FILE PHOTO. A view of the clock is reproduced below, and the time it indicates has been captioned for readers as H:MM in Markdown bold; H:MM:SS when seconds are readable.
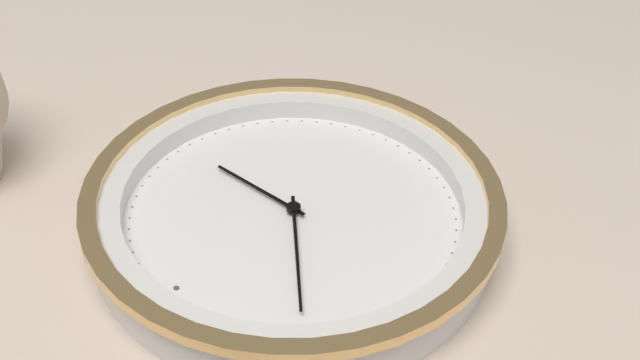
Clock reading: **2:52**
